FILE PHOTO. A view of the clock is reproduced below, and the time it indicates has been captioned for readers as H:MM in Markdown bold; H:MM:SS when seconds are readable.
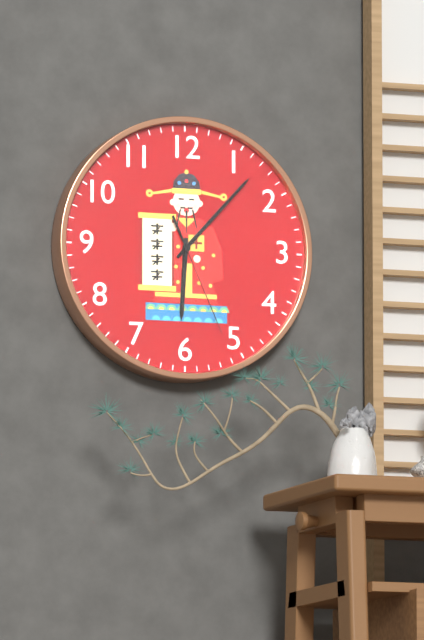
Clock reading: **6:07:26**
